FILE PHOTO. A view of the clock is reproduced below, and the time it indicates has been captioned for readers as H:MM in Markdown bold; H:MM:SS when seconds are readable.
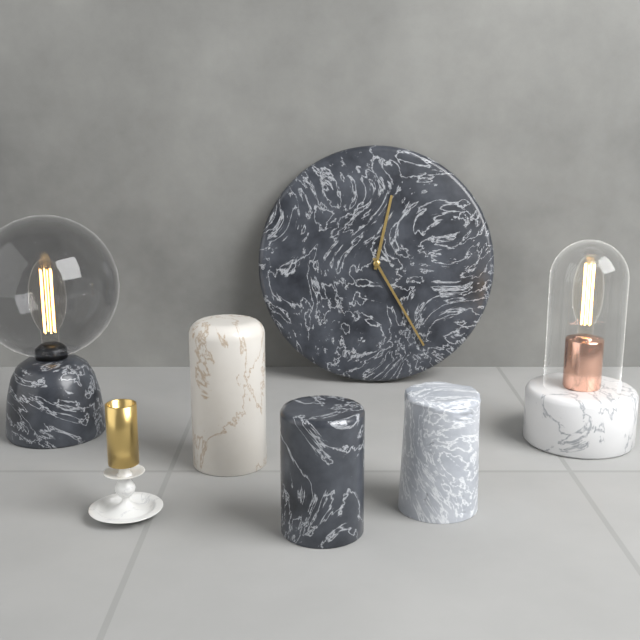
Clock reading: **12:25**
